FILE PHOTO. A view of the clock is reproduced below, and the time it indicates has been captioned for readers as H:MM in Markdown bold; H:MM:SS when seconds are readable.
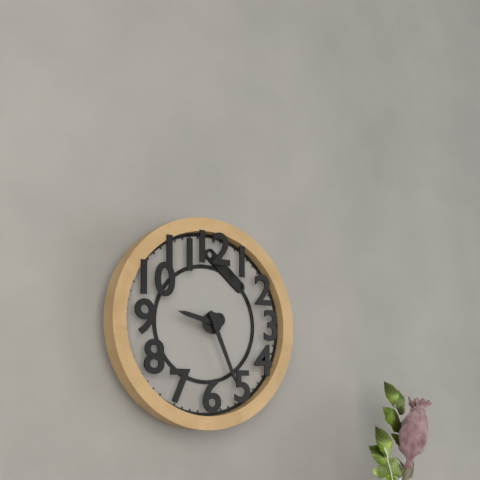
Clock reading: **9:26**
